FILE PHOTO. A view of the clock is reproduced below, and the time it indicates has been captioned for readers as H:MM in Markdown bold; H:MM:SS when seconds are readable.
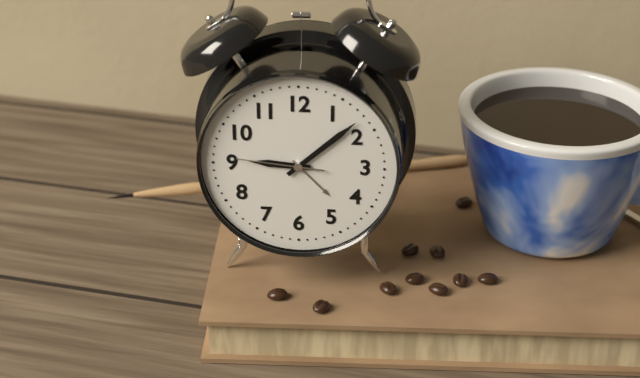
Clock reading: **9:08:46**
